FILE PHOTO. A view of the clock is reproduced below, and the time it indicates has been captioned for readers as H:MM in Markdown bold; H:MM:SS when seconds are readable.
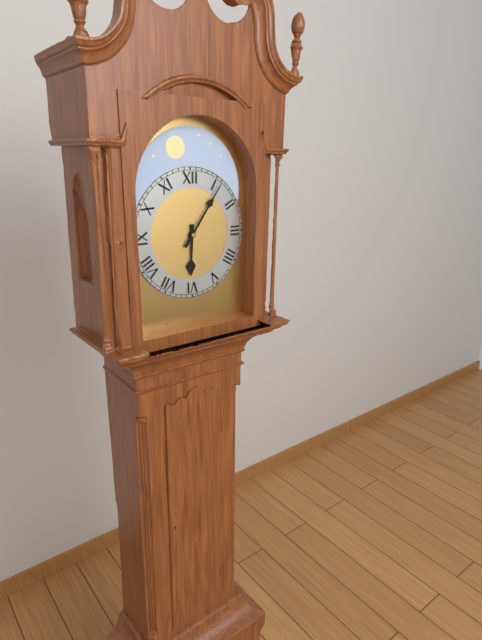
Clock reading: **6:06**
